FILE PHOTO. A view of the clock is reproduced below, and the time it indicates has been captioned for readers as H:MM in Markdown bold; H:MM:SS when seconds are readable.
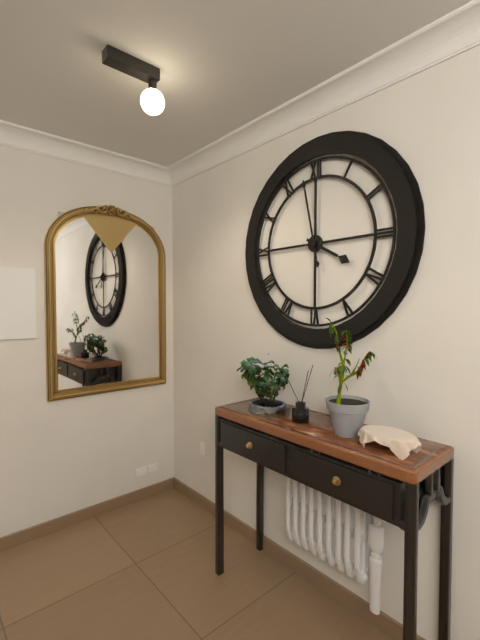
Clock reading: **3:58**
